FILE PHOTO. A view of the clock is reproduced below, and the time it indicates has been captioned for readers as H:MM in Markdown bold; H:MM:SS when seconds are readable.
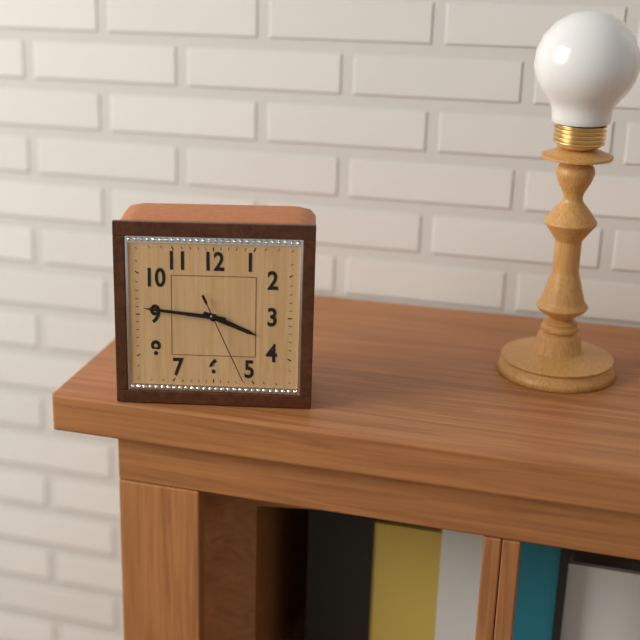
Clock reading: **3:46:26**
